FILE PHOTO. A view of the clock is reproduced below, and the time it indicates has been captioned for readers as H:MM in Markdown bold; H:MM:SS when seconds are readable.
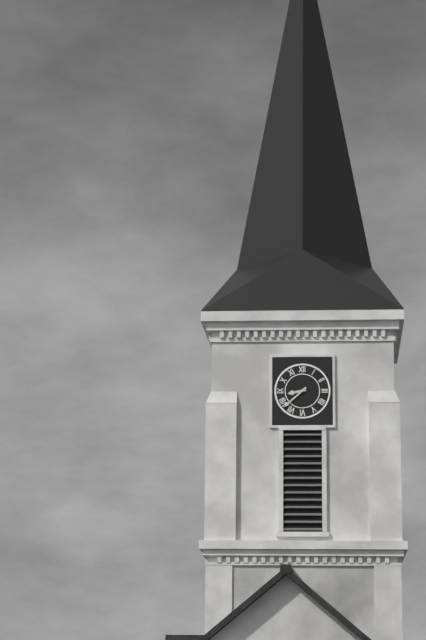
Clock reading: **8:38**
